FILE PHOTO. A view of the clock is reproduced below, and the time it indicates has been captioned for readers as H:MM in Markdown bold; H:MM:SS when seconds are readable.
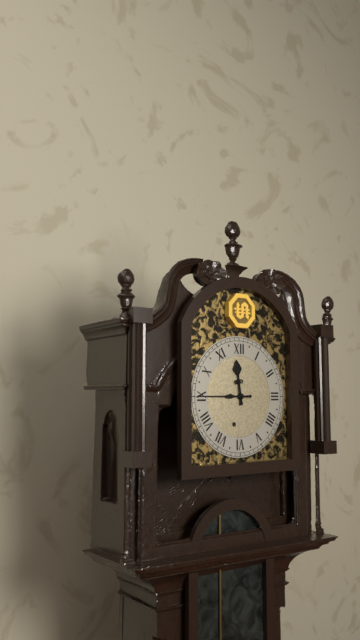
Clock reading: **11:45**
